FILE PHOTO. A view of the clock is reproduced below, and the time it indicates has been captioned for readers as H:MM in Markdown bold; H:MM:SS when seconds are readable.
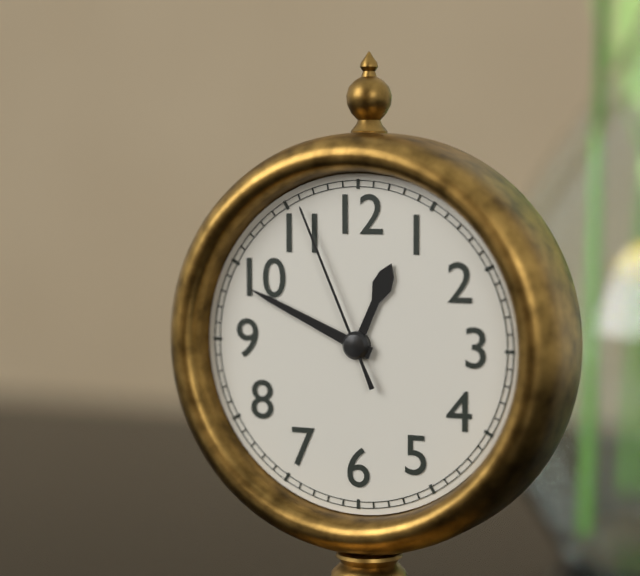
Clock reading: **12:49:56**
